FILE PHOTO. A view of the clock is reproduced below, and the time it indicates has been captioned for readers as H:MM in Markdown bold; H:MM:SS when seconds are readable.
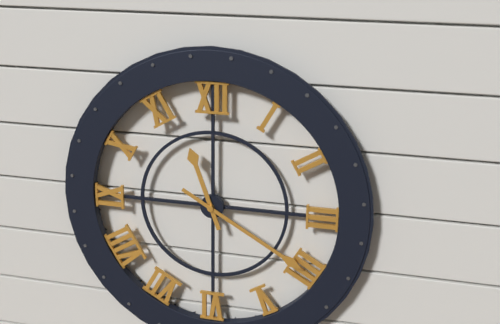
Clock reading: **11:20**
